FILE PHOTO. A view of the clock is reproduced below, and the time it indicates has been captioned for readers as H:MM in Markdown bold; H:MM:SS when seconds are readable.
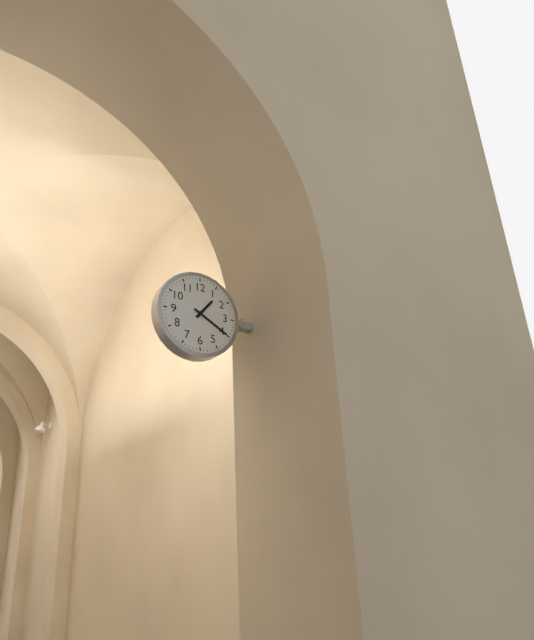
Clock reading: **1:20**
